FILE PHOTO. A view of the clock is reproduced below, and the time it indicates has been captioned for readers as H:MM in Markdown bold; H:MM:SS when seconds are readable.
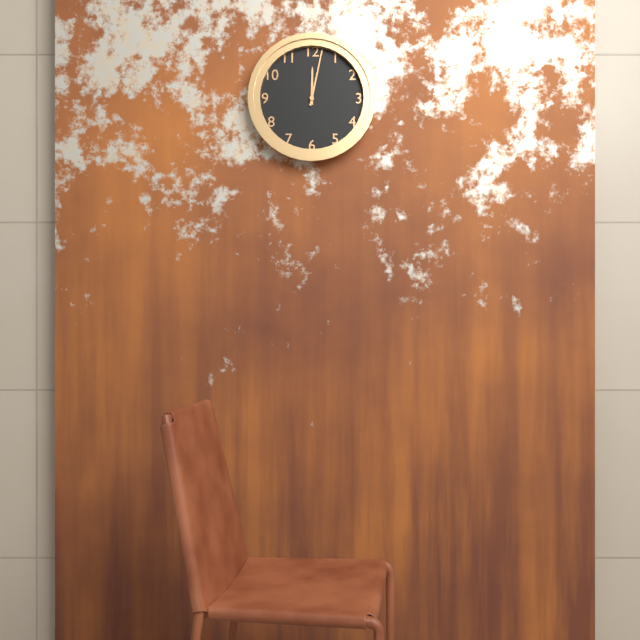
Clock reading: **12:02**
